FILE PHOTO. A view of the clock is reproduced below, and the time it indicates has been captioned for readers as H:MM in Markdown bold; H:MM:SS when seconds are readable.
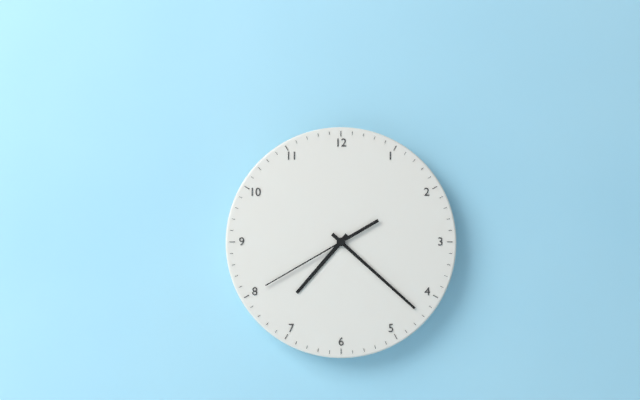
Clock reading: **7:22:40**
